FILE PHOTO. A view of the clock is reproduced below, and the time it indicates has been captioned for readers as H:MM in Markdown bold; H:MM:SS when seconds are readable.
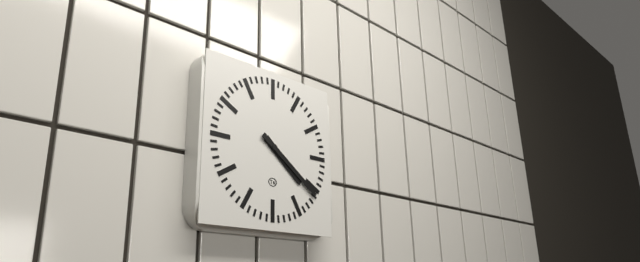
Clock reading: **4:21**
